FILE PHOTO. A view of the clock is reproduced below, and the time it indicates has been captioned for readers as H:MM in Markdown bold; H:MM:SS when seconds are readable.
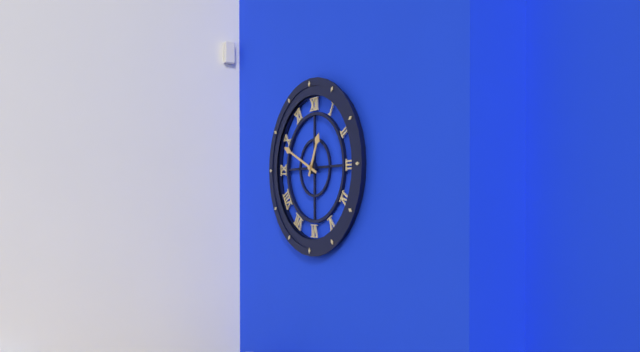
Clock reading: **12:49**
